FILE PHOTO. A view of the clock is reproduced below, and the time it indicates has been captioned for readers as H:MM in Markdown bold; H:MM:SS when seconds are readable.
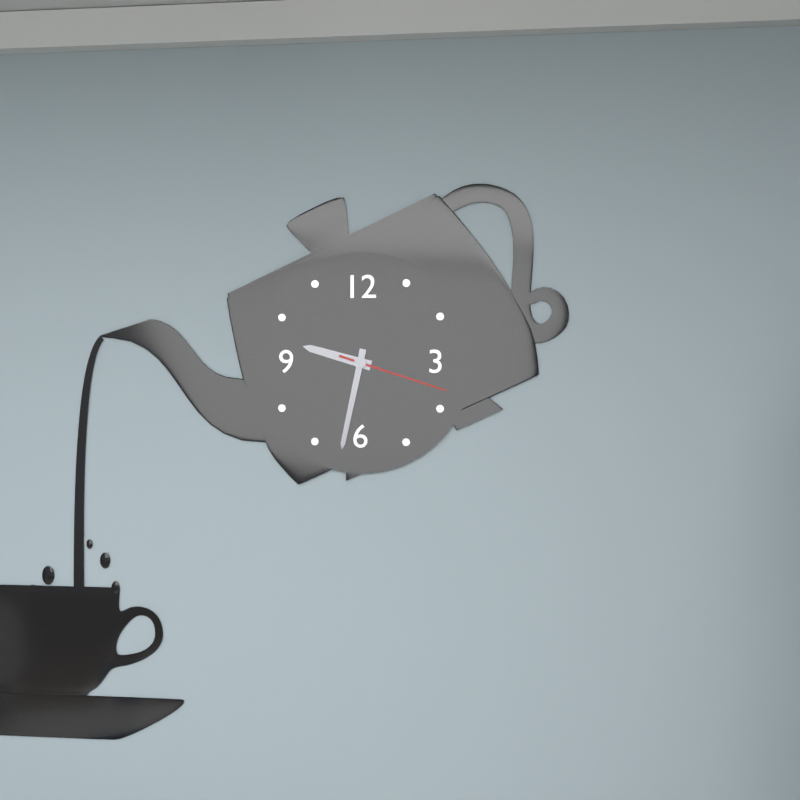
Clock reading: **9:32:18**
